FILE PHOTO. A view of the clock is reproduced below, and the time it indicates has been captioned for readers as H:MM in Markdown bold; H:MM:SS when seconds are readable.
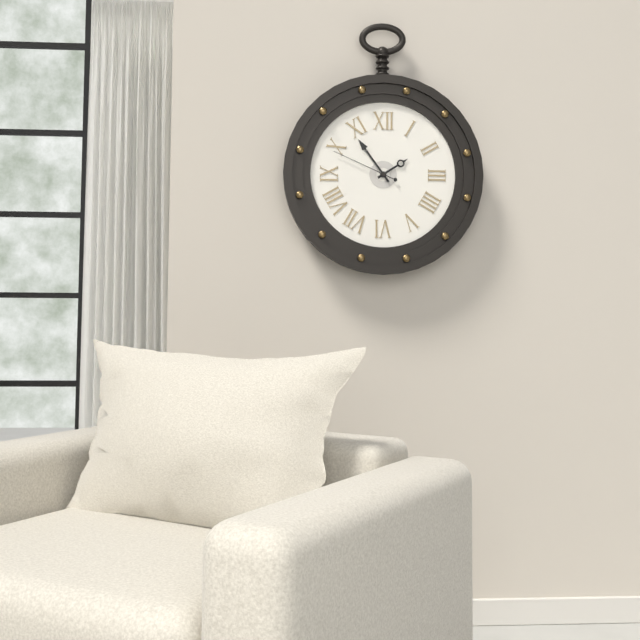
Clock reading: **1:54:49**
